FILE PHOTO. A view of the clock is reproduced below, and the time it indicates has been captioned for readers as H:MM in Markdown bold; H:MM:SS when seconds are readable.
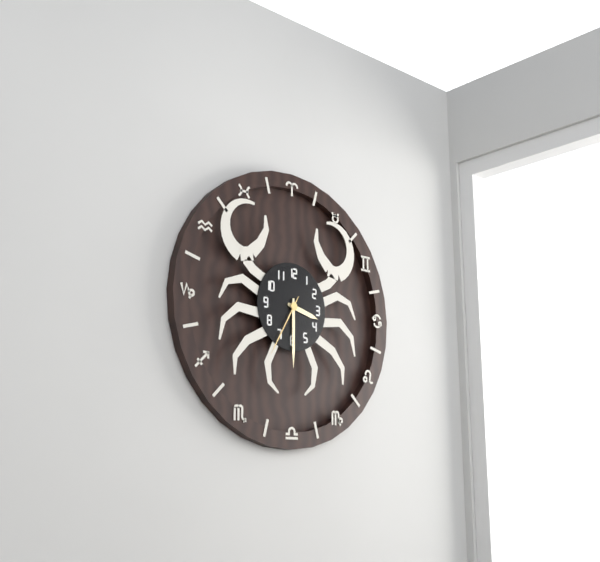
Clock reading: **3:30:35**
